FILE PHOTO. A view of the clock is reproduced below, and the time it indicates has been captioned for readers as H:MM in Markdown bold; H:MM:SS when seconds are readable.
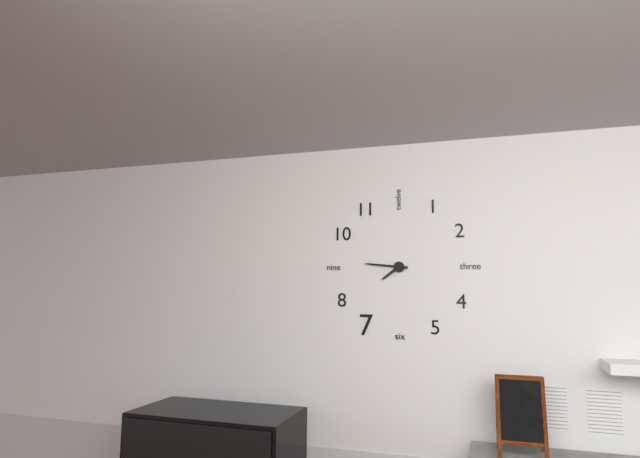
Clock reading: **7:46**
